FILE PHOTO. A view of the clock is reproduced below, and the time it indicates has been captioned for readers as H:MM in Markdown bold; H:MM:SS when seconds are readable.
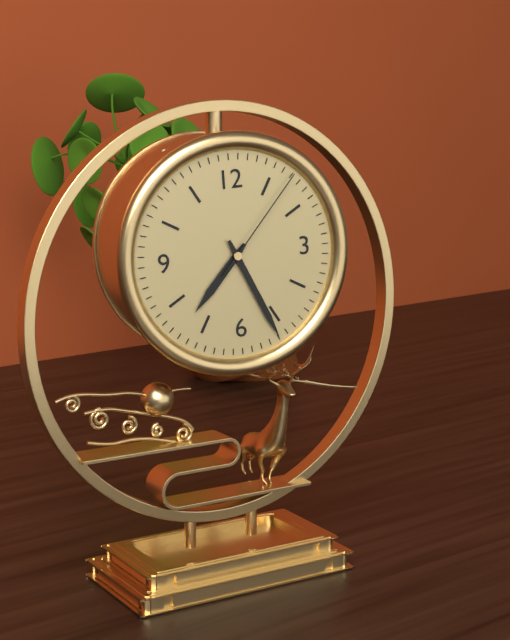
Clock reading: **7:26:07**
